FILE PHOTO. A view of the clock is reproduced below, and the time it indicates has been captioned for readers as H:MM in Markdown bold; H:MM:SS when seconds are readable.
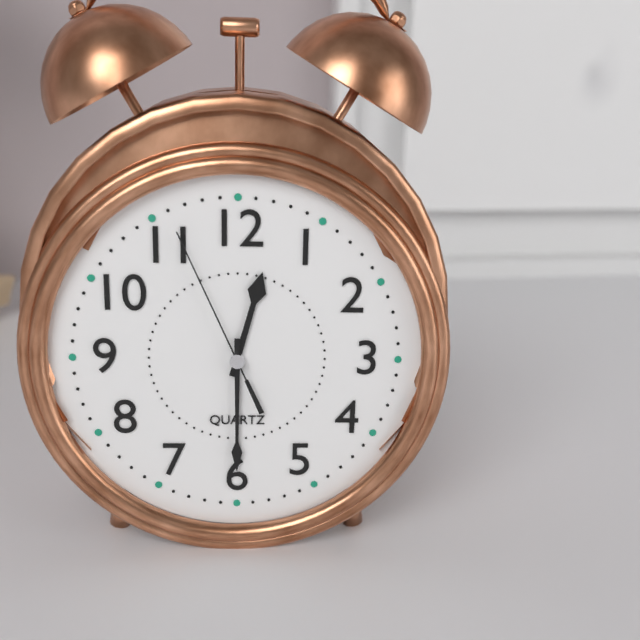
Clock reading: **12:30:56**
